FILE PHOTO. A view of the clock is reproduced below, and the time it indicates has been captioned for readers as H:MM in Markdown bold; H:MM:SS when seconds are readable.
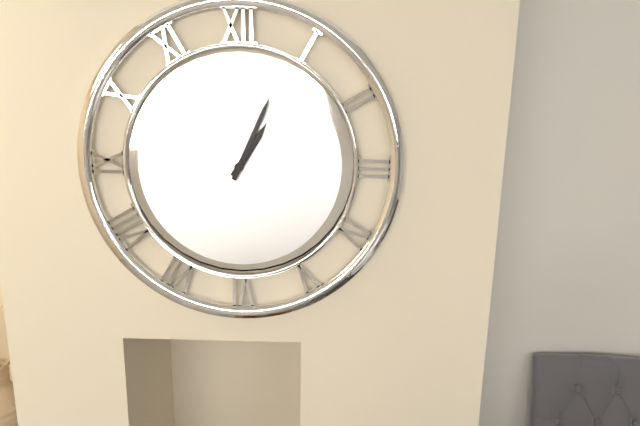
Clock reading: **1:04**
